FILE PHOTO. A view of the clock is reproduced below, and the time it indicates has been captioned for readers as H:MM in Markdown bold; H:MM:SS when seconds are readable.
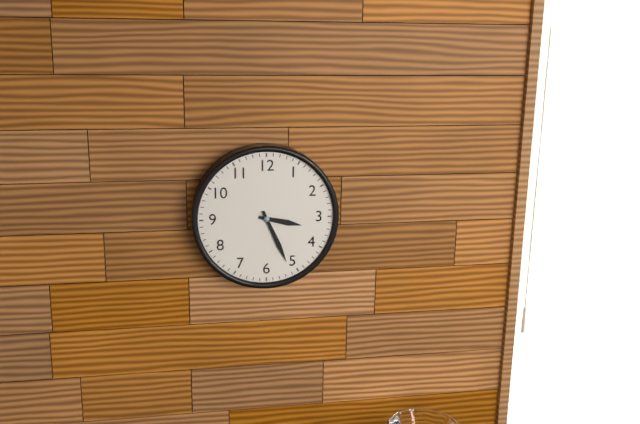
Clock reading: **3:26**
